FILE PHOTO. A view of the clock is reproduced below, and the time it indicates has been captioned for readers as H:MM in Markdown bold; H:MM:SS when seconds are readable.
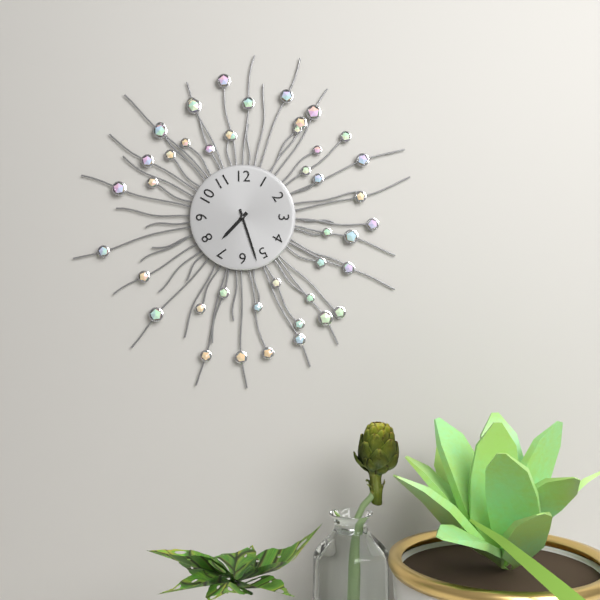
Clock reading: **7:27**
